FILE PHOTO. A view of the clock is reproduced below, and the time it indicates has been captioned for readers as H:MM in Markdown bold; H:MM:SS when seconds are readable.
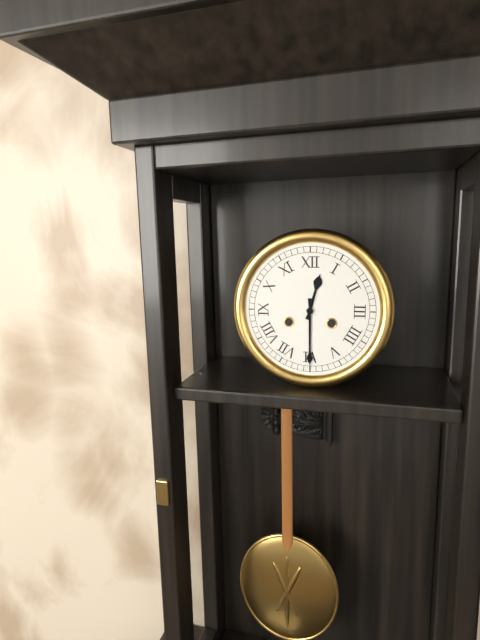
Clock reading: **12:30**
